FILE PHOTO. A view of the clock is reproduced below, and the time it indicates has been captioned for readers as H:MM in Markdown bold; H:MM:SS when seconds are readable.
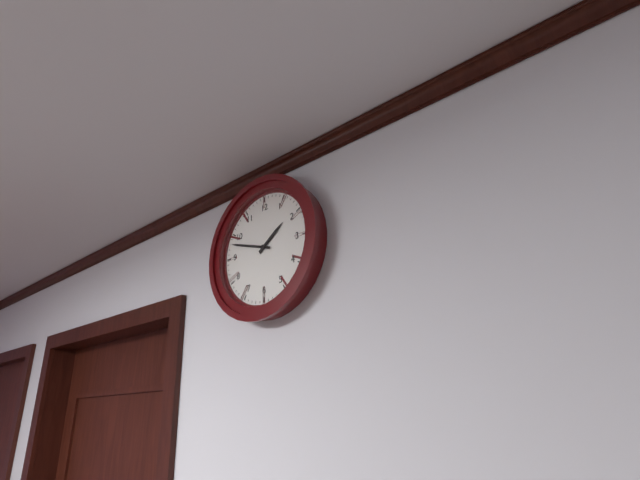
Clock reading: **1:48**
